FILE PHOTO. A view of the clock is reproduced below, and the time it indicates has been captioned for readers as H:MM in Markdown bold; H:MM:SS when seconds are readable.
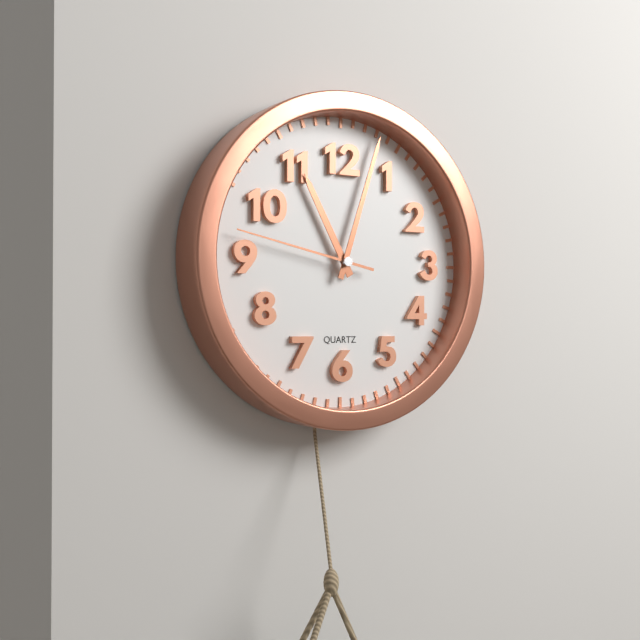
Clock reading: **11:03:47**
